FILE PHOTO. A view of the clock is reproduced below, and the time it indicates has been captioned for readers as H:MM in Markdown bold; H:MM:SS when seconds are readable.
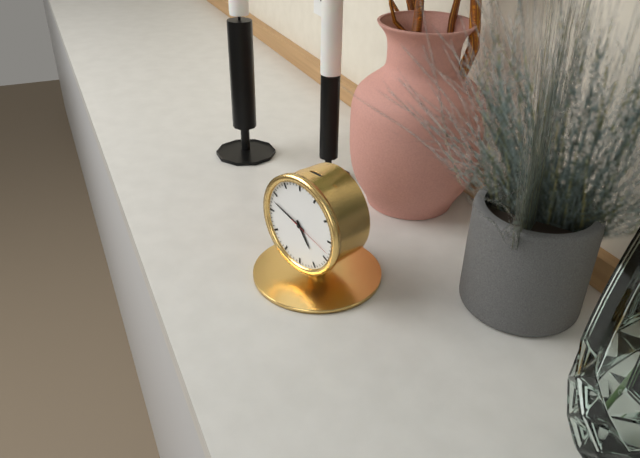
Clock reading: **4:48**
